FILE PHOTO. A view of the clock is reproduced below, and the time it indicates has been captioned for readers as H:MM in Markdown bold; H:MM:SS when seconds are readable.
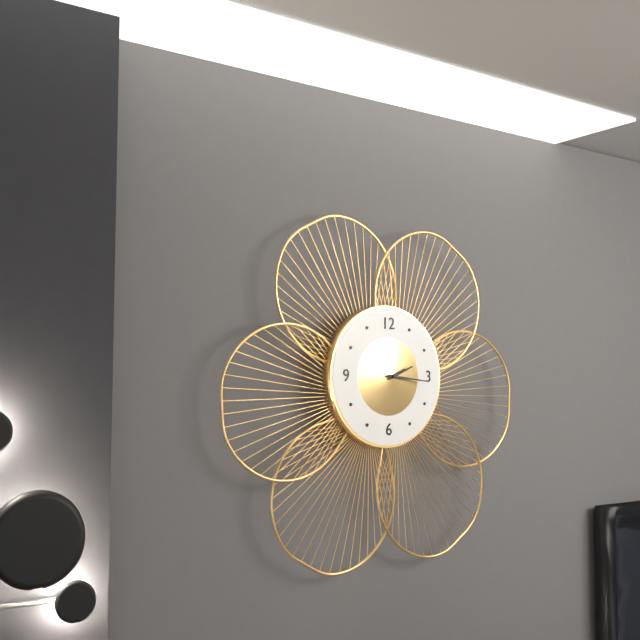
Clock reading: **2:16**
